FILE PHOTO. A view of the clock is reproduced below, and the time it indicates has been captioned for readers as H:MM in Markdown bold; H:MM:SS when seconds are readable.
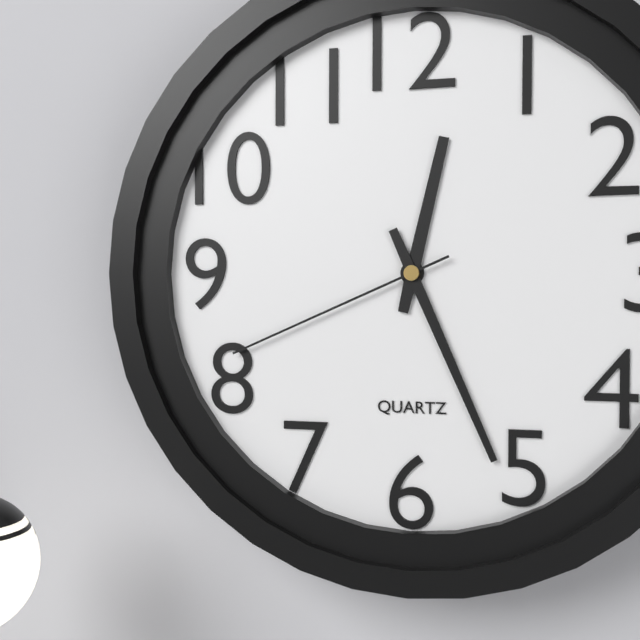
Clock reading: **12:26:41**
